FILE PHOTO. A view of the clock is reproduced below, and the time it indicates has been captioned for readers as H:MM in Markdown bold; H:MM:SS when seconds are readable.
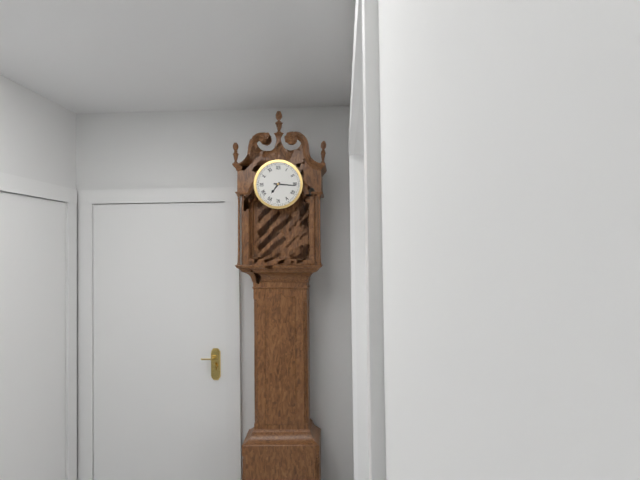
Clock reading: **7:16**
